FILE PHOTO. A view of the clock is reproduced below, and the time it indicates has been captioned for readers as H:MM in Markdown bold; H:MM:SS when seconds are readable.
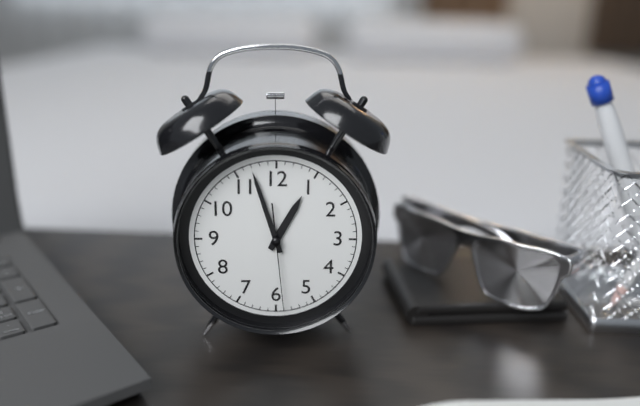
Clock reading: **12:57:29**
